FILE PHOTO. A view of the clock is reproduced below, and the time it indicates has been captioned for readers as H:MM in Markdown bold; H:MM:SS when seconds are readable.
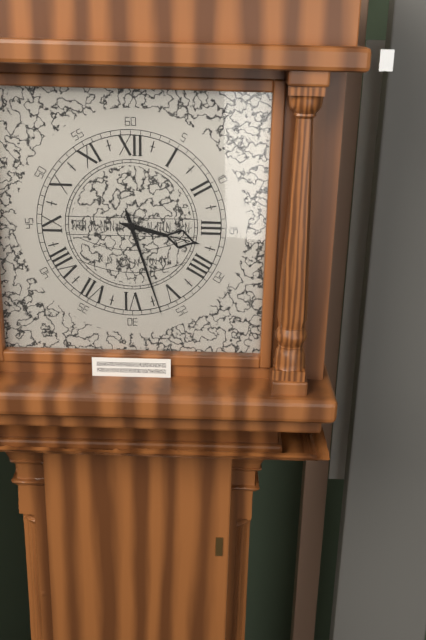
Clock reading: **3:27**
